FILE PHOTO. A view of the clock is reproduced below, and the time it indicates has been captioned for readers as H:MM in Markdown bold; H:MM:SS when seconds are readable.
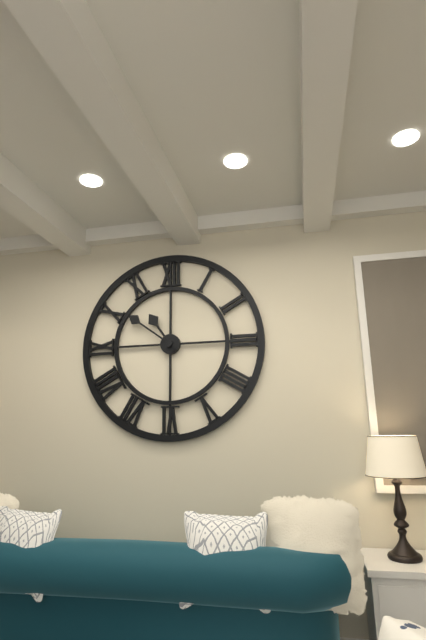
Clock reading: **10:51**
